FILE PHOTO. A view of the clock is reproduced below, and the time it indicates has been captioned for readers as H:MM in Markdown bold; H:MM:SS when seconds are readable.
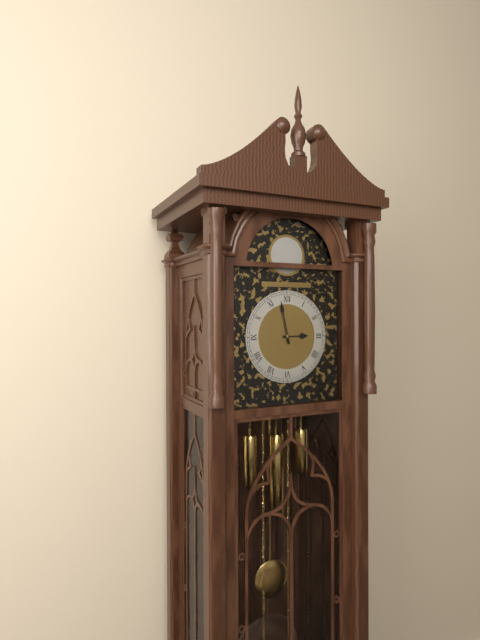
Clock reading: **2:58**
